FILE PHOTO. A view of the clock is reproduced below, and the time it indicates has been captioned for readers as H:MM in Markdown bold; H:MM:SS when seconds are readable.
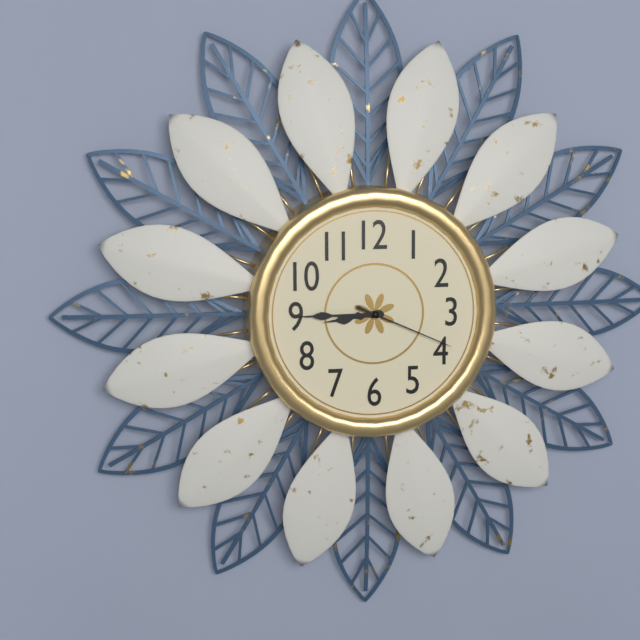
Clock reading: **8:45:19**
